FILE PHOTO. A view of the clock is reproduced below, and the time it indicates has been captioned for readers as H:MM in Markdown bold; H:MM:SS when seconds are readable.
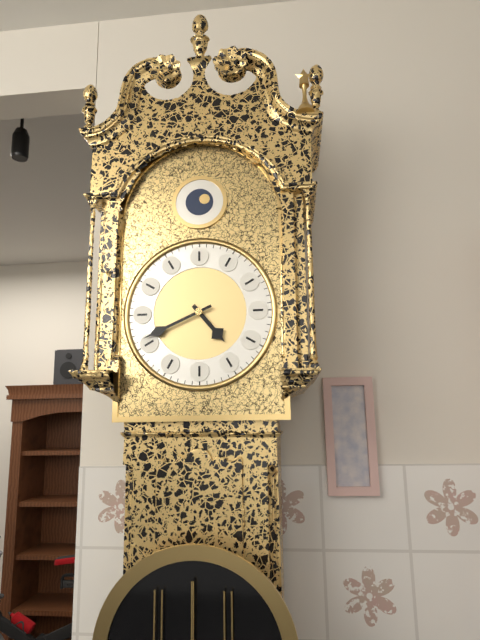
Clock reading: **4:41**
